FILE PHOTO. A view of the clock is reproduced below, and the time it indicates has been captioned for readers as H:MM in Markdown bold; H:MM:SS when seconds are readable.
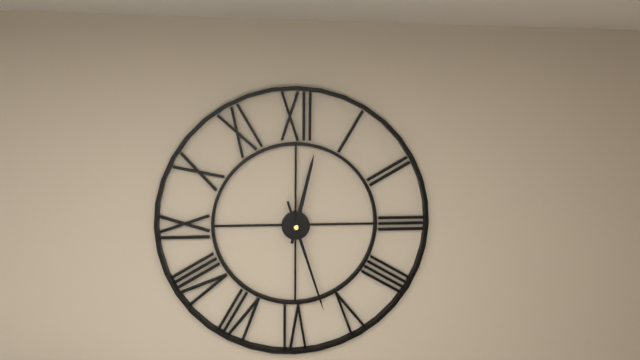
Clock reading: **12:27**
